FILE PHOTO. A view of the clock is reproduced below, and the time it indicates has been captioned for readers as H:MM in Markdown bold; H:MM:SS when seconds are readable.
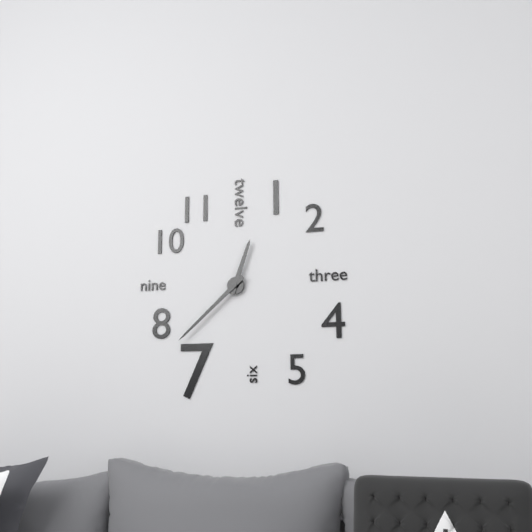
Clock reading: **12:38**
